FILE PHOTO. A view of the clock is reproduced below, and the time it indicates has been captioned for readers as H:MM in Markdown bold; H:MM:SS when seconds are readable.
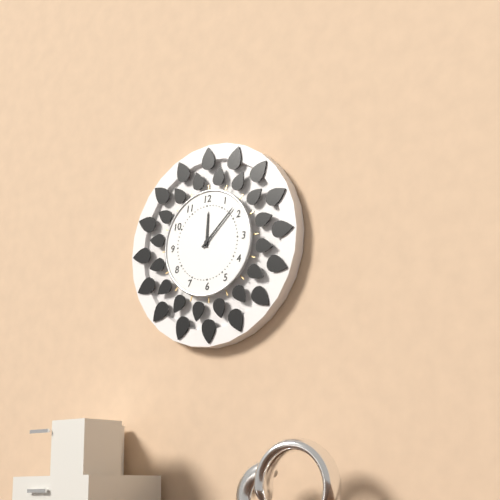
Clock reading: **12:08**
